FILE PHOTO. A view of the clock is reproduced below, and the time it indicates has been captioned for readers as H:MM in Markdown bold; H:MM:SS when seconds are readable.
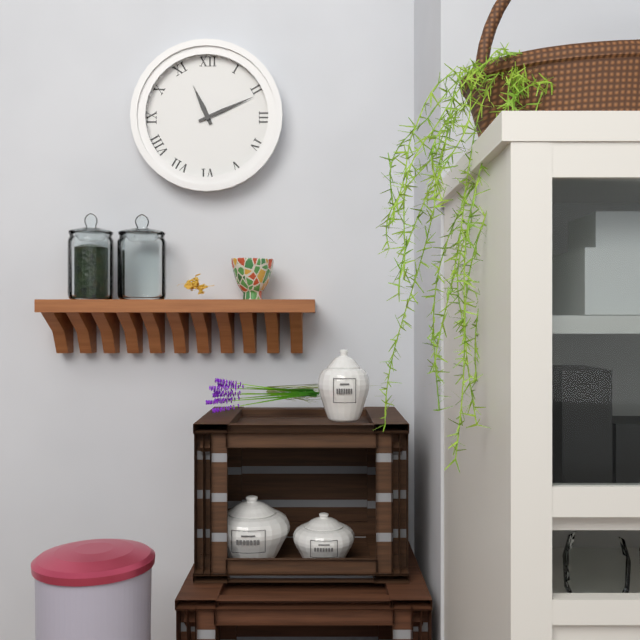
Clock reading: **11:11**
